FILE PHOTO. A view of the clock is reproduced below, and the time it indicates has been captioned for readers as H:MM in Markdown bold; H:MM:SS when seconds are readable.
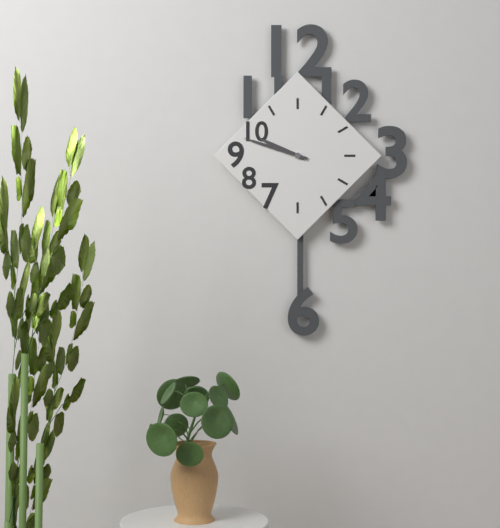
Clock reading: **9:48**
